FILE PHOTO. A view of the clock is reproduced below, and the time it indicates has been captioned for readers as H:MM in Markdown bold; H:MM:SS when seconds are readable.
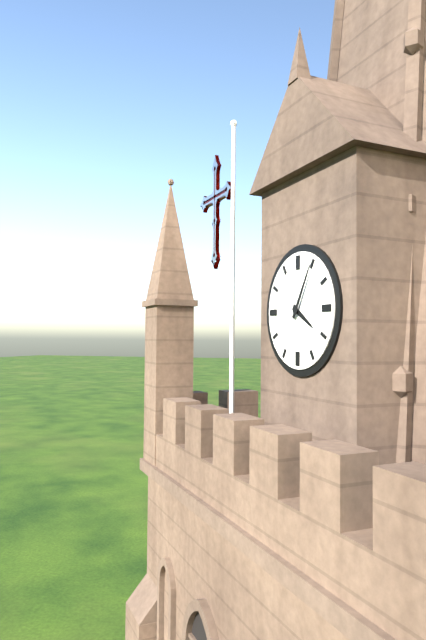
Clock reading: **4:05**
